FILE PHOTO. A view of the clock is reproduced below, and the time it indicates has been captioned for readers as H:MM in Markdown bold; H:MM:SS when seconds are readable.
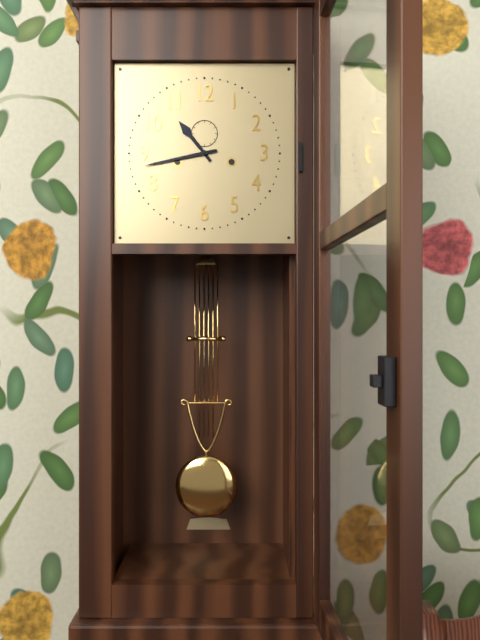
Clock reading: **10:43**
